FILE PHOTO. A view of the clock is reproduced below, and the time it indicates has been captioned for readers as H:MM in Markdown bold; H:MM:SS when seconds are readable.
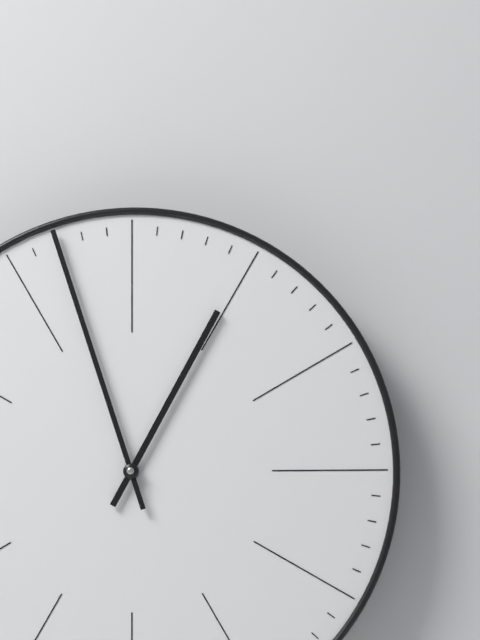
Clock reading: **12:57**
